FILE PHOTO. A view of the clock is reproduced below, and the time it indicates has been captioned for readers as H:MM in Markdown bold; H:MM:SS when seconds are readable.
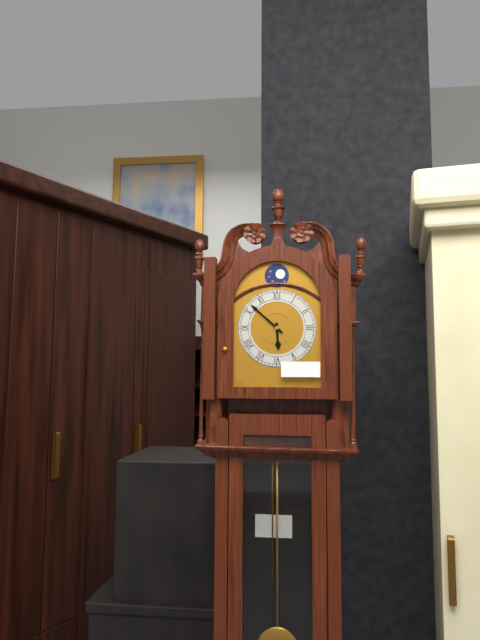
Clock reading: **5:52**
